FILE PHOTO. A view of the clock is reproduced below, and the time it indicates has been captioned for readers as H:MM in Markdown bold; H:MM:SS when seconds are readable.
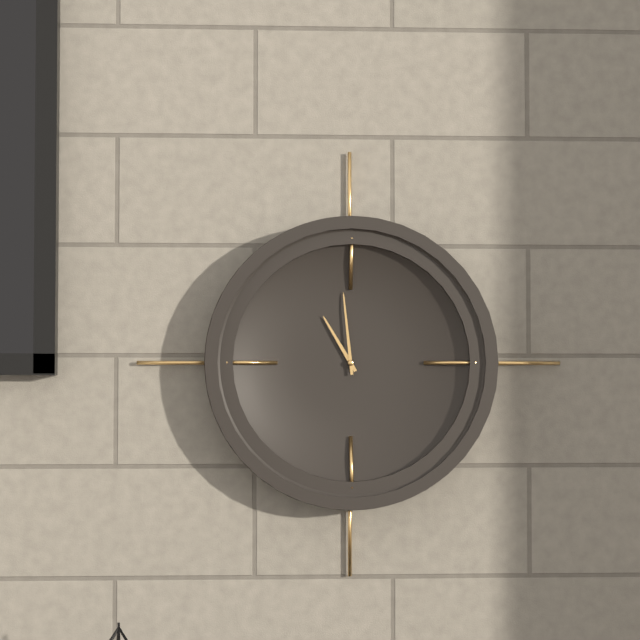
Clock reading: **10:59**
